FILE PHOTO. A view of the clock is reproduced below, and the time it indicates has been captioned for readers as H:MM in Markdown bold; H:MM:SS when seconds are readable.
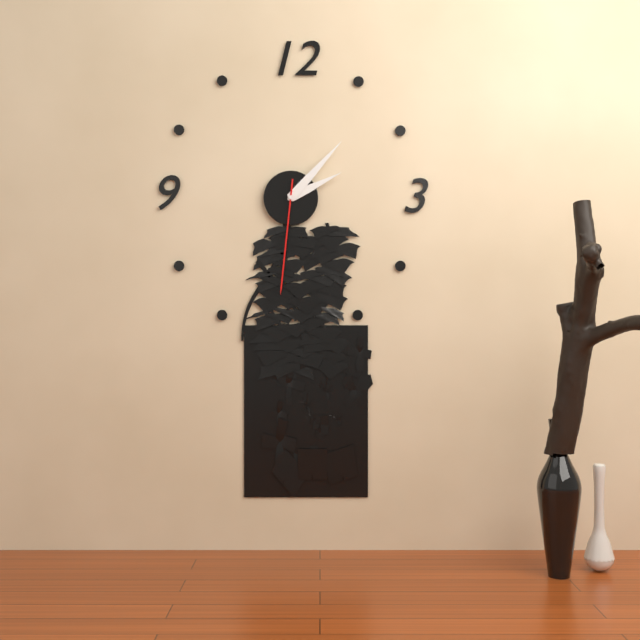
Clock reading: **2:07:31**
